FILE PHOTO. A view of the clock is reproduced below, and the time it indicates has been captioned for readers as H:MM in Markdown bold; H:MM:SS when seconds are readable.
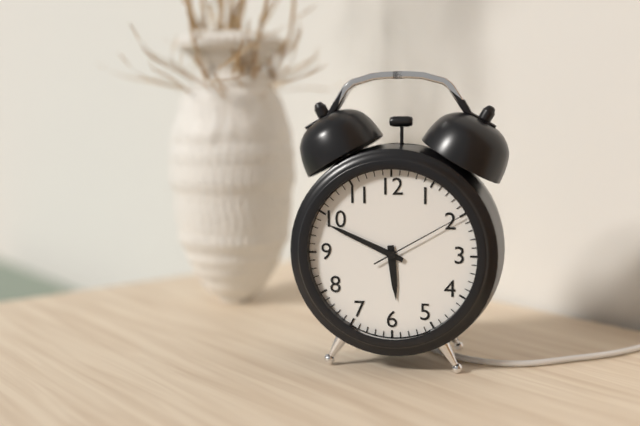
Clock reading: **5:49:10**
